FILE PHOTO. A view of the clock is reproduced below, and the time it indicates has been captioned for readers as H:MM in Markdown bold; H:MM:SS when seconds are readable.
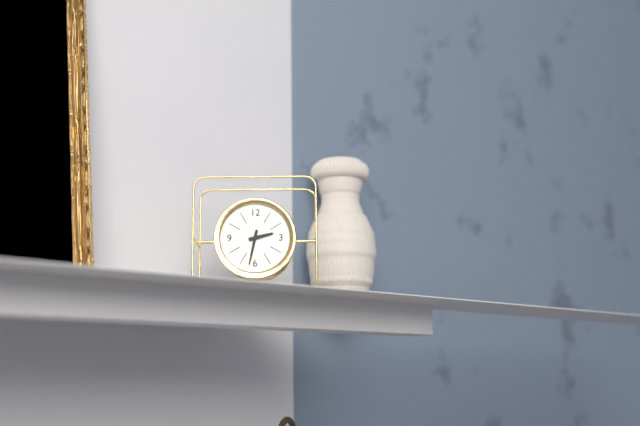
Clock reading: **2:32**
